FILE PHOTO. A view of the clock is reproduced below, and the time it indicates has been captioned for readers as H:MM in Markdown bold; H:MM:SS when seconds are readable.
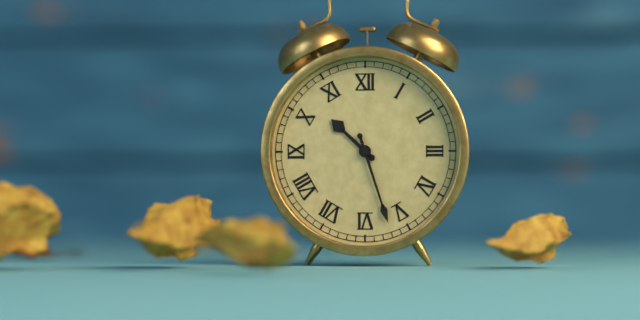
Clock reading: **10:27**
